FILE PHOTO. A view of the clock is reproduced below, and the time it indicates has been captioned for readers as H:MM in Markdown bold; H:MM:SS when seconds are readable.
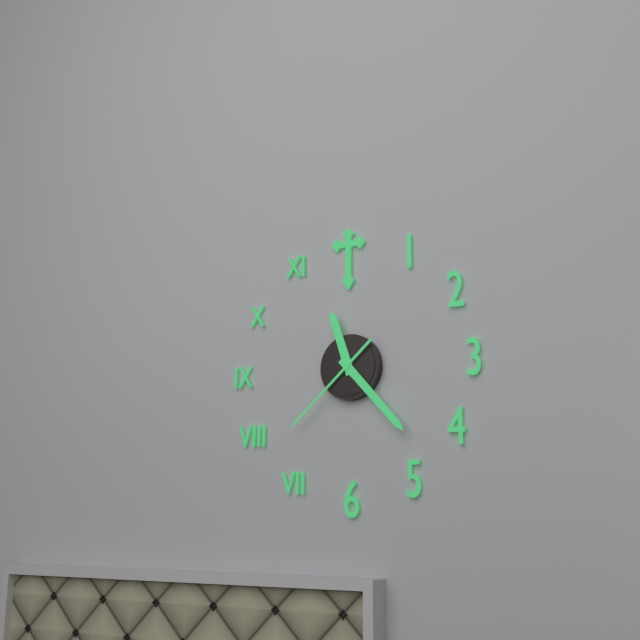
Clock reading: **11:23:38**
